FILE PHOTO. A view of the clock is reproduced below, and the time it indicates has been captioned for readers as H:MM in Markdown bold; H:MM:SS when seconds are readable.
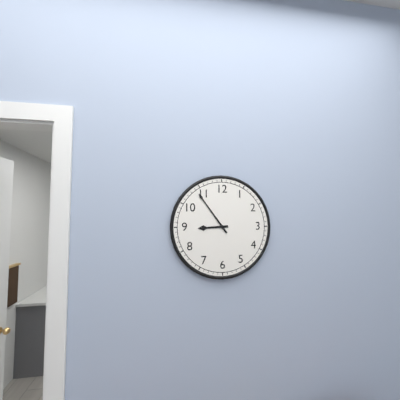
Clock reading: **8:54**
